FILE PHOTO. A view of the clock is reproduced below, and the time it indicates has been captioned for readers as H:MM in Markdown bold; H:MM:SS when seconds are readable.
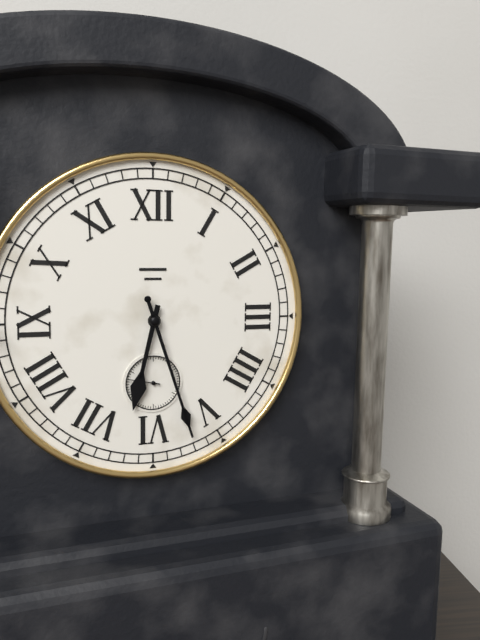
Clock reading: **6:27**
